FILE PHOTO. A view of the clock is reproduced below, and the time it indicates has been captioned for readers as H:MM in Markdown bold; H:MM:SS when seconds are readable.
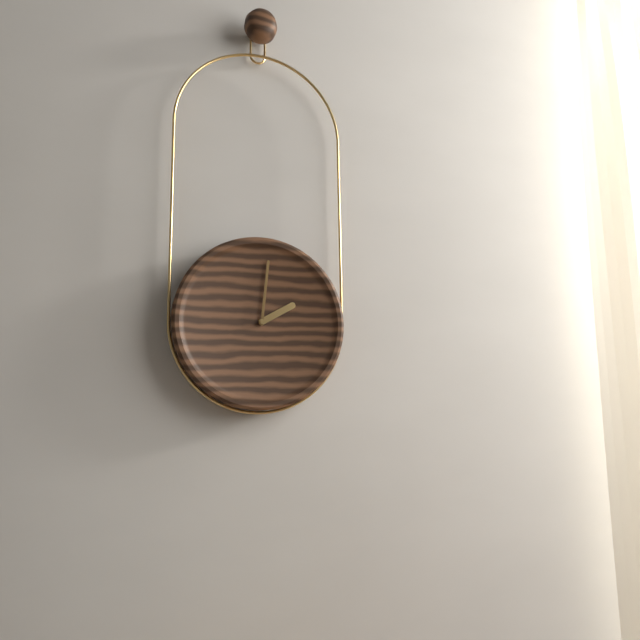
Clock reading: **2:01**
